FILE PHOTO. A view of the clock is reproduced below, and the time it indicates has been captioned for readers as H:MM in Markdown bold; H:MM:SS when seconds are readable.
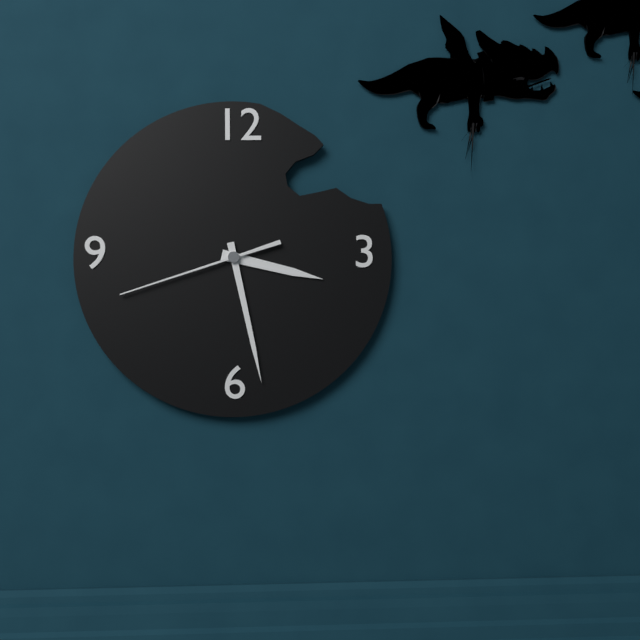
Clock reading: **3:28:42**
